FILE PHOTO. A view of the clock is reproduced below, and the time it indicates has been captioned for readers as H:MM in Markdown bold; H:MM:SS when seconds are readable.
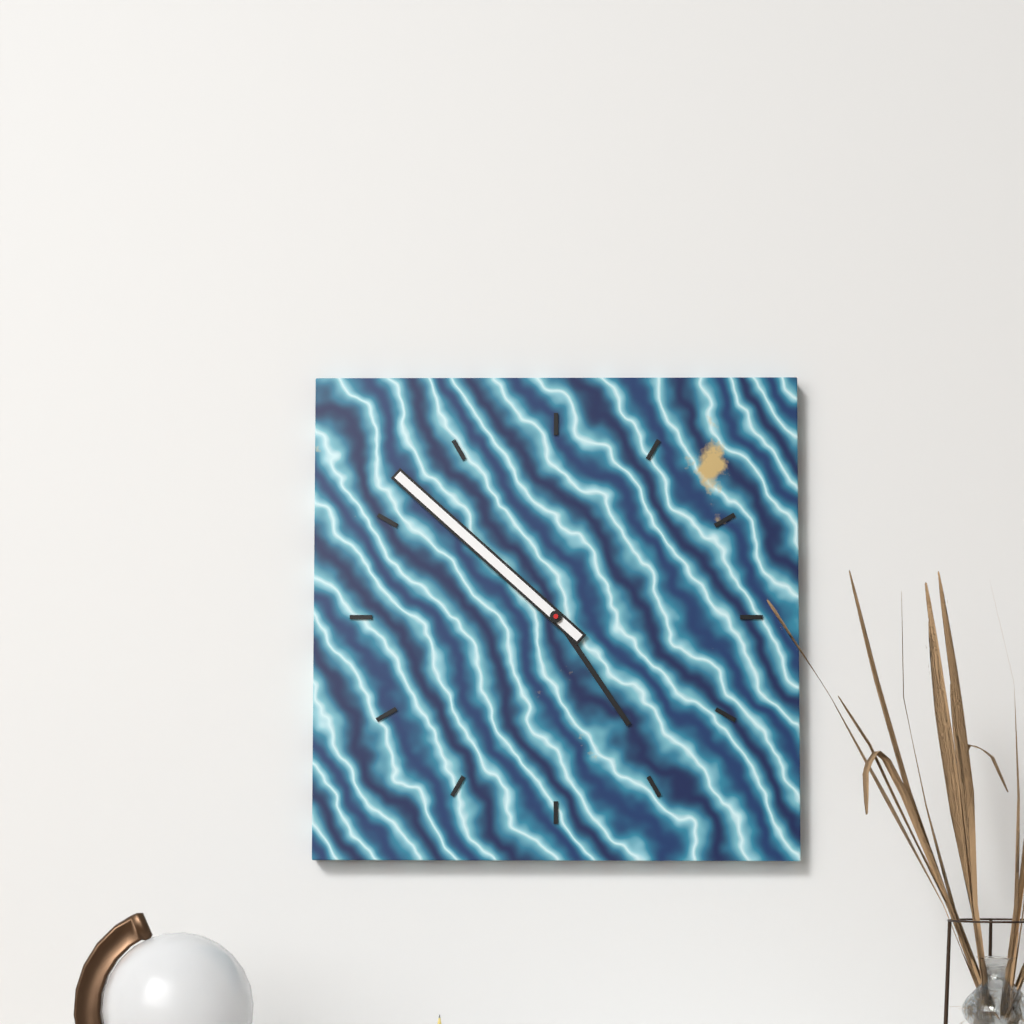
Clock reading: **4:52**
